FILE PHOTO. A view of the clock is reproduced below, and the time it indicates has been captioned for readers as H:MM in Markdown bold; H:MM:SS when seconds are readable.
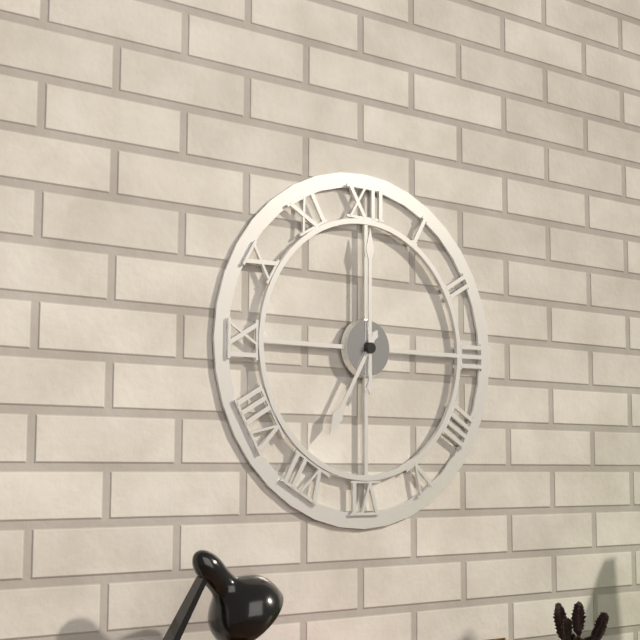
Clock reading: **7:00**
